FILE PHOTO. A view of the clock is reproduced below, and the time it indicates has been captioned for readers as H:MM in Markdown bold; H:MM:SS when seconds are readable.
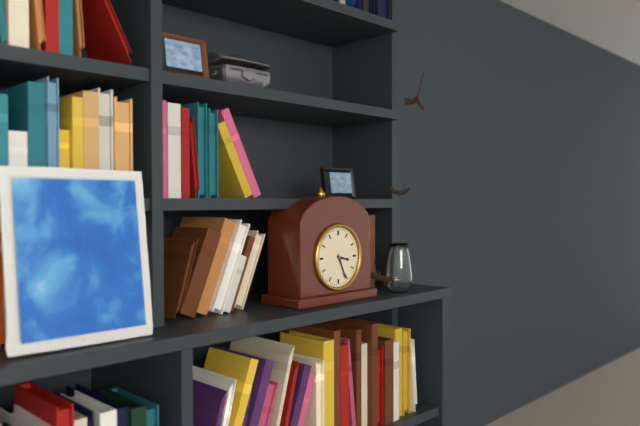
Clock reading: **3:26**
